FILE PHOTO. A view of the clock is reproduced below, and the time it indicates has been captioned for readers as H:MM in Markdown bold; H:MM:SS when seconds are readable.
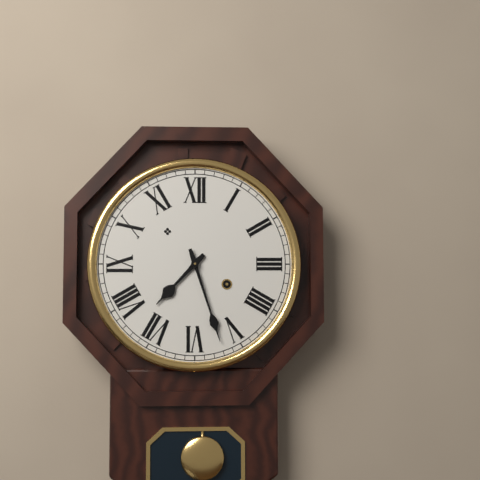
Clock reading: **7:27**
